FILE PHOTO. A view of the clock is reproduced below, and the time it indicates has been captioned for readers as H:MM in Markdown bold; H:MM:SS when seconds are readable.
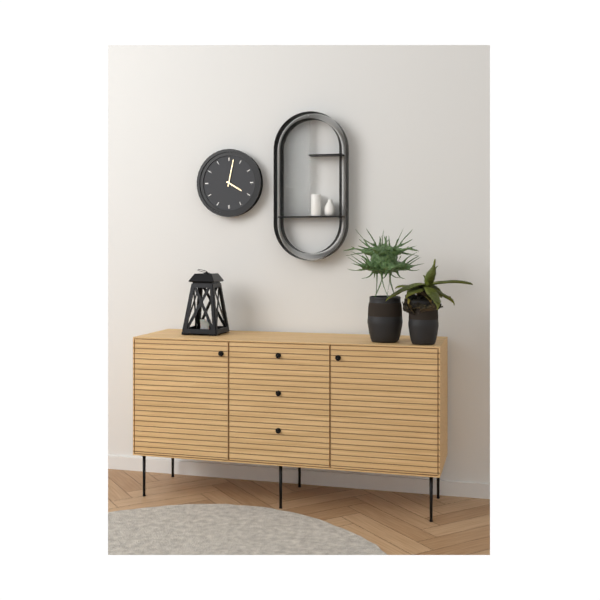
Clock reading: **4:02**
